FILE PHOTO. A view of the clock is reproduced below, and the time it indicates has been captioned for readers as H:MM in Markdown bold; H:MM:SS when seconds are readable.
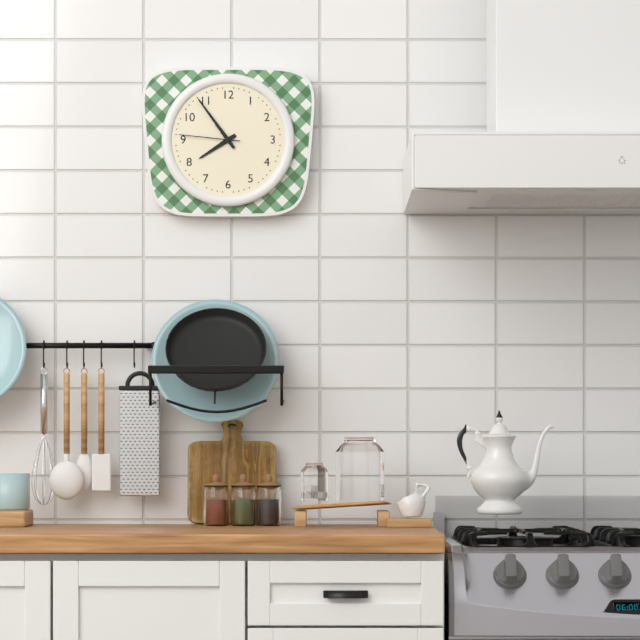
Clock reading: **7:54:46**
